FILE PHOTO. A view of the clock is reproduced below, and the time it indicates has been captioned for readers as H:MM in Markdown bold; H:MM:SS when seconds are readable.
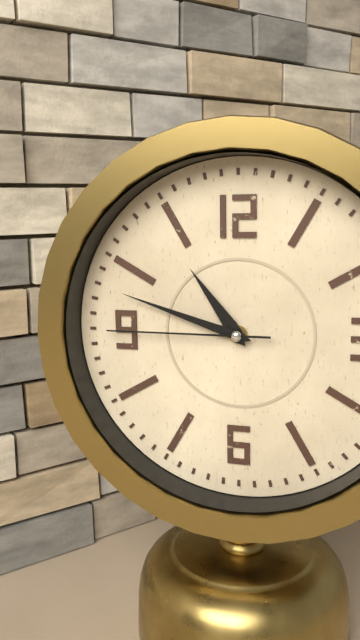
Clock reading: **10:48:45**
